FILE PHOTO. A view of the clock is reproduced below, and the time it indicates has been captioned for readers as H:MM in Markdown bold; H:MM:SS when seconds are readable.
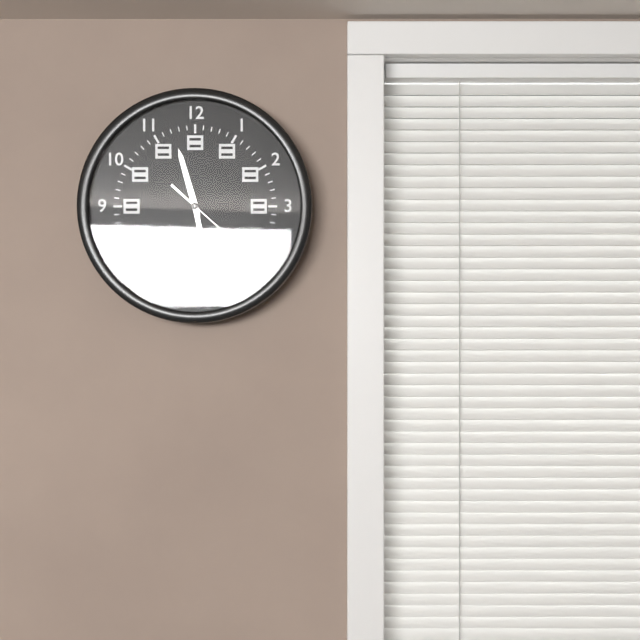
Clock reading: **11:28:22**
